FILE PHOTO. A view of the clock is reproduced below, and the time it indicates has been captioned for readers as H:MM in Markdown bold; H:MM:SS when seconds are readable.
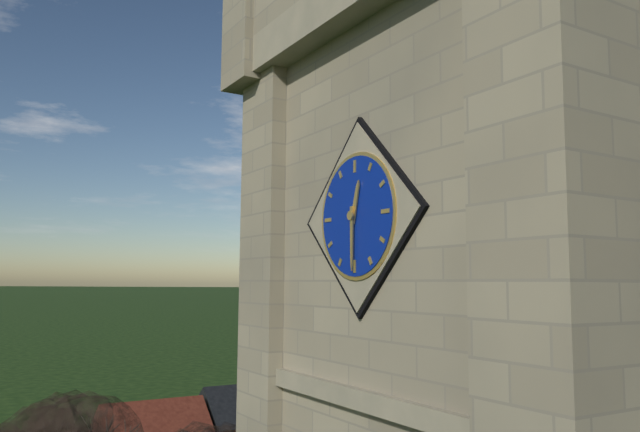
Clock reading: **12:30**
